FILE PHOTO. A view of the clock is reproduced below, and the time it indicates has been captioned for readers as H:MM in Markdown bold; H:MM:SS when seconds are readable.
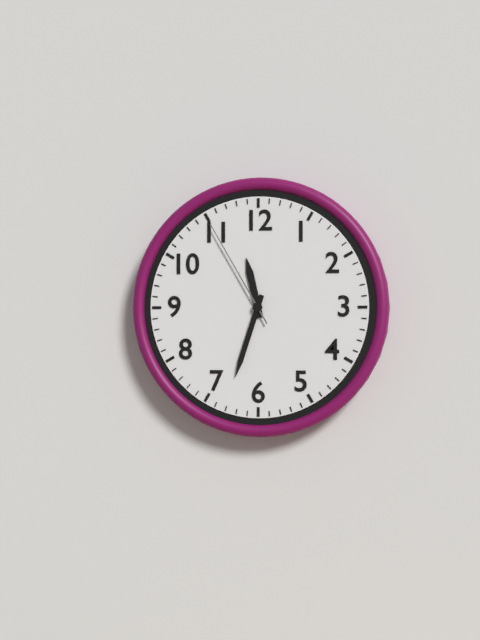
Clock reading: **11:33:55**
